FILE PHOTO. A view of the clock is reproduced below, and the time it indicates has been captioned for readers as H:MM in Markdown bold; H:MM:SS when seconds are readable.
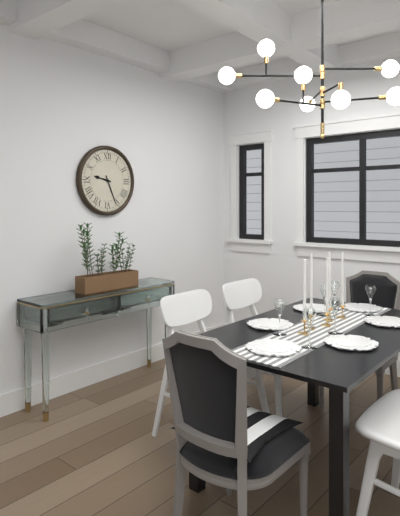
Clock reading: **9:26**
